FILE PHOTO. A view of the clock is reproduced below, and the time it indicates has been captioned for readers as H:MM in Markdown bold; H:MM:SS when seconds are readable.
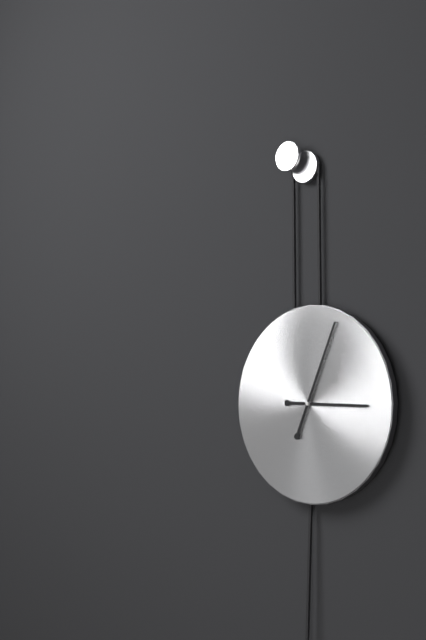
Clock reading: **3:04**
